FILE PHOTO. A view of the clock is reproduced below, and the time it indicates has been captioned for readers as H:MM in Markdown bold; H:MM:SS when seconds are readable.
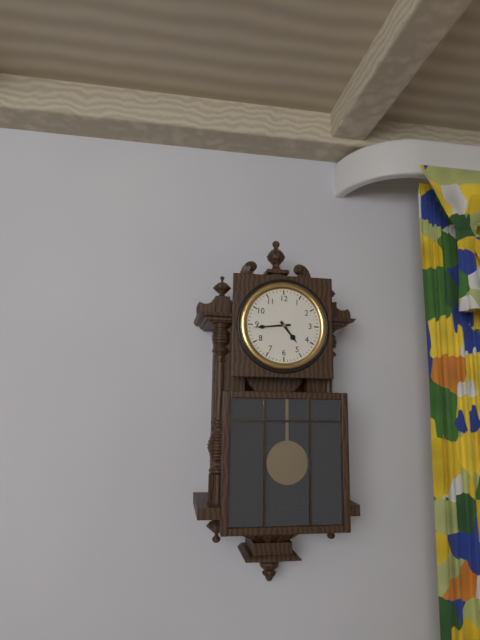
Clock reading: **4:44**
